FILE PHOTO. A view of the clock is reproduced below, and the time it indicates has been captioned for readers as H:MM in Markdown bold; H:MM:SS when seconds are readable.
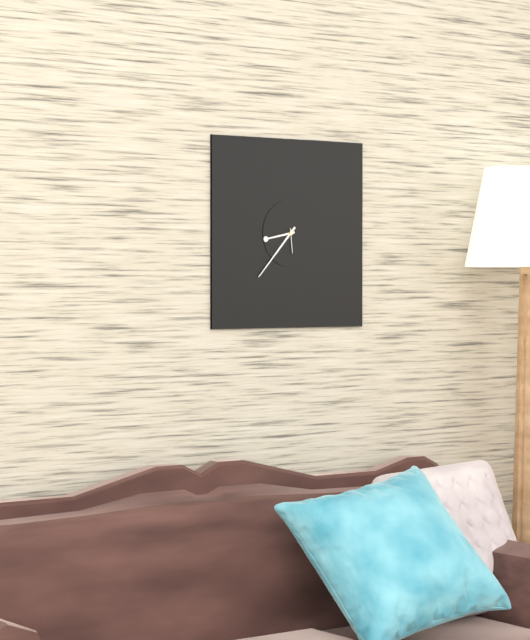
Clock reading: **8:37**
